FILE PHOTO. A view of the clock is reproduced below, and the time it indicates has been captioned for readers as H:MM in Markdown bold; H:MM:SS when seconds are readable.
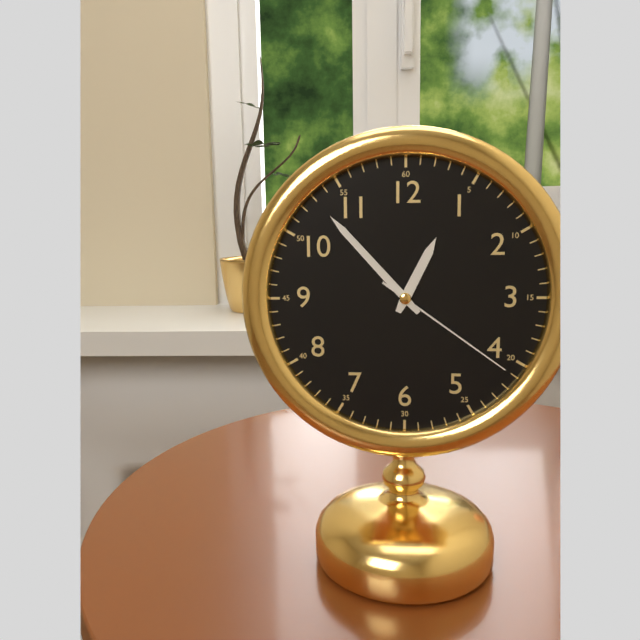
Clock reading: **12:53:21**
